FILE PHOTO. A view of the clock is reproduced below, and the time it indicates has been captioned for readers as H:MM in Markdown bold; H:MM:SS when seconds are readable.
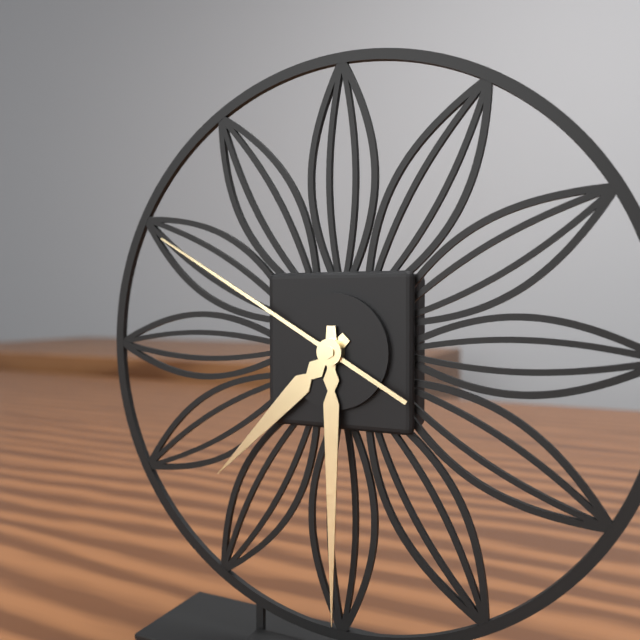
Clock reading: **7:30:50**
